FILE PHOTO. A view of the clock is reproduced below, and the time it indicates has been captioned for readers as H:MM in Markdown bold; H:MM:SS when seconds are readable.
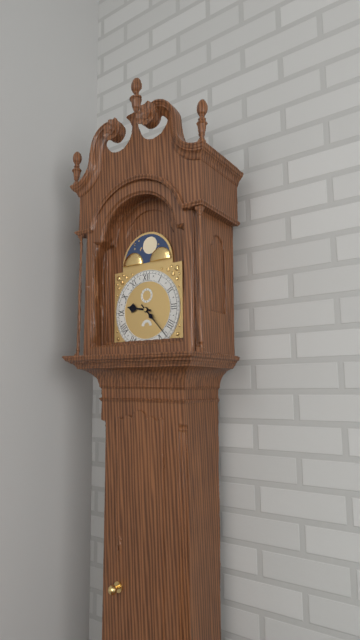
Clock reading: **9:23**
